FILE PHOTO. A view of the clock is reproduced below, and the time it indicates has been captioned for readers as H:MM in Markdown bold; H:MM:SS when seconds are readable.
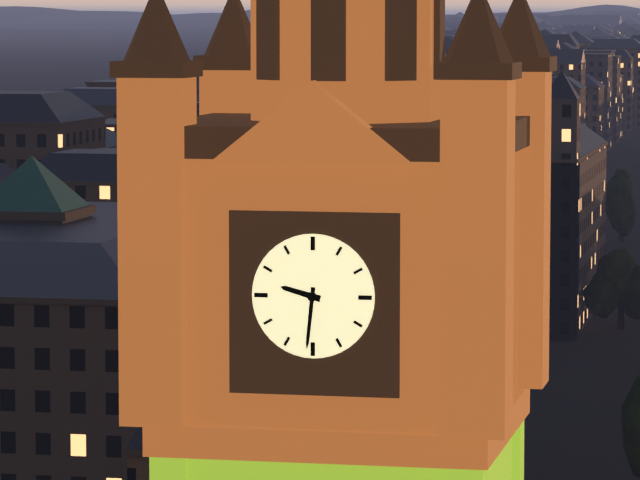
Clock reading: **9:31**
